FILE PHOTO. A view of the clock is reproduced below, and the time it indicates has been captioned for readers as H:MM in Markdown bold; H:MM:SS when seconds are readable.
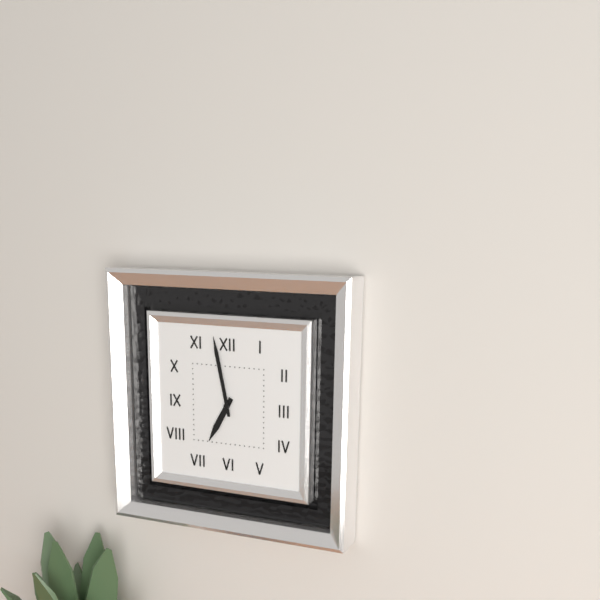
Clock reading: **6:58**
